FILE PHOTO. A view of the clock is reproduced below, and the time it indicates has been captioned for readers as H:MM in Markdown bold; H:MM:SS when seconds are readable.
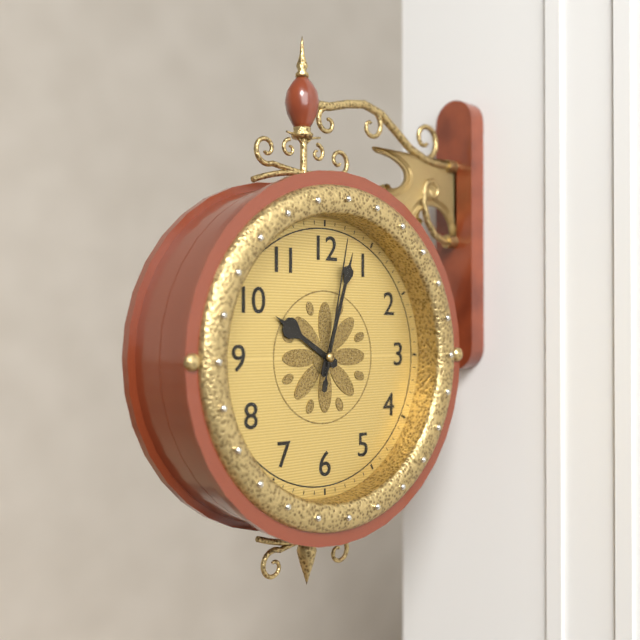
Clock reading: **10:03:02**
